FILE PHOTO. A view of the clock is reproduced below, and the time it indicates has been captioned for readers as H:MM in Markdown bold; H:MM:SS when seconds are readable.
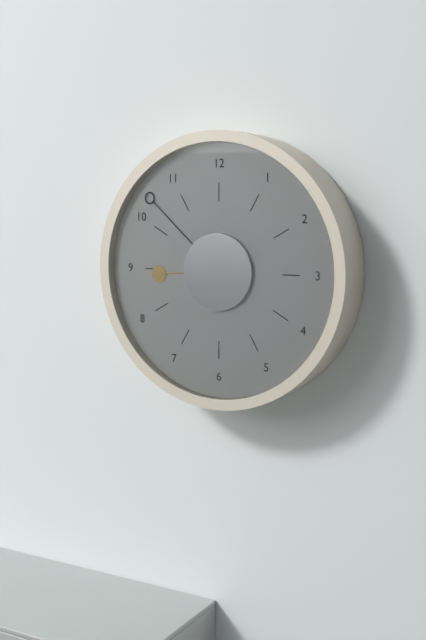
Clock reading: **8:52**
